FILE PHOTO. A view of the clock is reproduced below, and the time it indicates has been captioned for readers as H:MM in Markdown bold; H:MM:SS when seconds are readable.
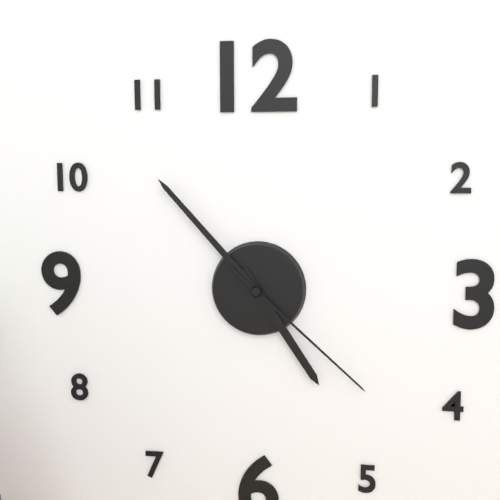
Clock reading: **4:53:22**
